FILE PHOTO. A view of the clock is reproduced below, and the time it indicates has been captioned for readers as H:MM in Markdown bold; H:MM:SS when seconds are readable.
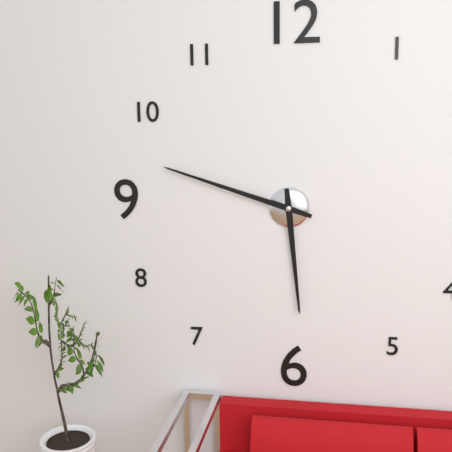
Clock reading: **5:48**
